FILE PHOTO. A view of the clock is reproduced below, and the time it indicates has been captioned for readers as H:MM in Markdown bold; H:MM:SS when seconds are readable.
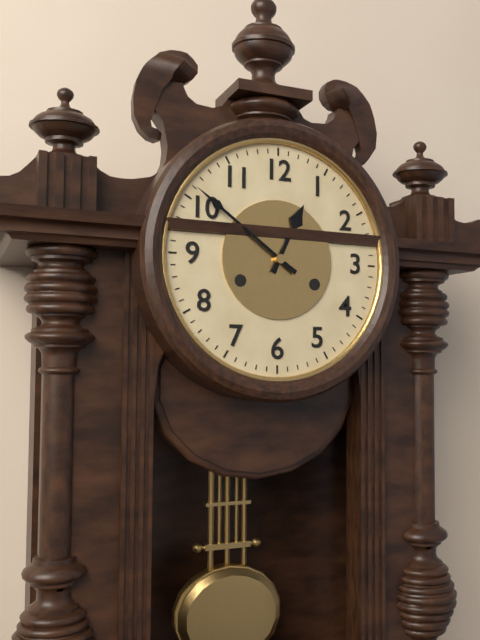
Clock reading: **12:51**
